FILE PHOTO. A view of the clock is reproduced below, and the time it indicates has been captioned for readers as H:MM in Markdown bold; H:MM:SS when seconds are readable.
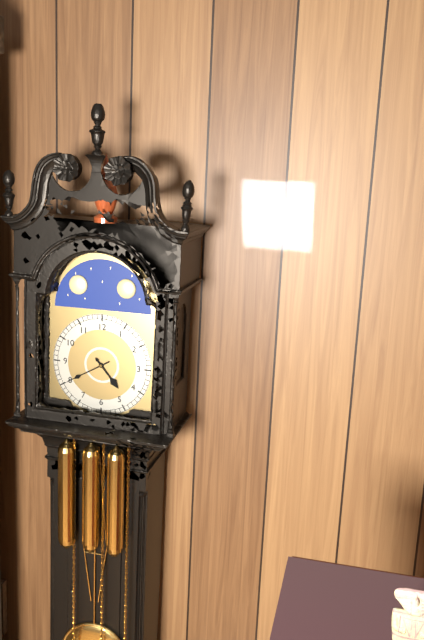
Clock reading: **4:40**
